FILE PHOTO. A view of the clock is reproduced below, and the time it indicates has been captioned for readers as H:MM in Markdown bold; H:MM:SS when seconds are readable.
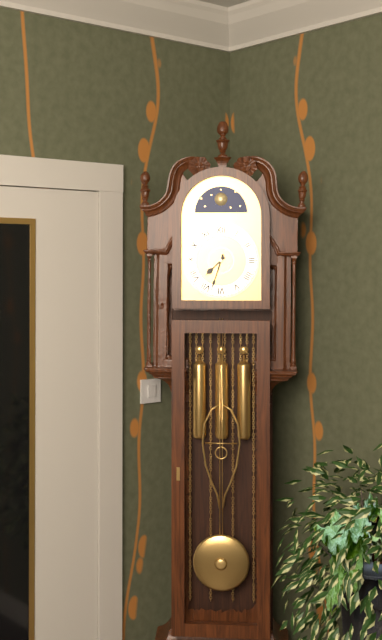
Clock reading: **7:33**
